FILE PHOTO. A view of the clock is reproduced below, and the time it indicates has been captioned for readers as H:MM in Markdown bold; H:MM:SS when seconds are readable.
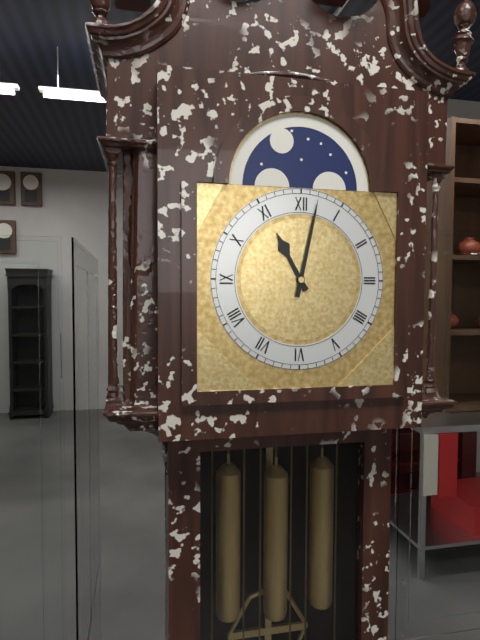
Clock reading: **11:02**
